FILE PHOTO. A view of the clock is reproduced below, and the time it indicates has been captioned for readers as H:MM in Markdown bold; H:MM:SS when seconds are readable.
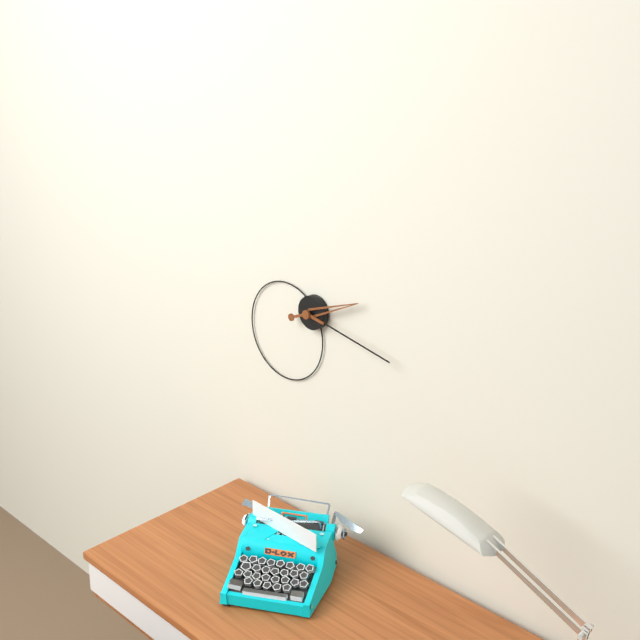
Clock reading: **2:17**
